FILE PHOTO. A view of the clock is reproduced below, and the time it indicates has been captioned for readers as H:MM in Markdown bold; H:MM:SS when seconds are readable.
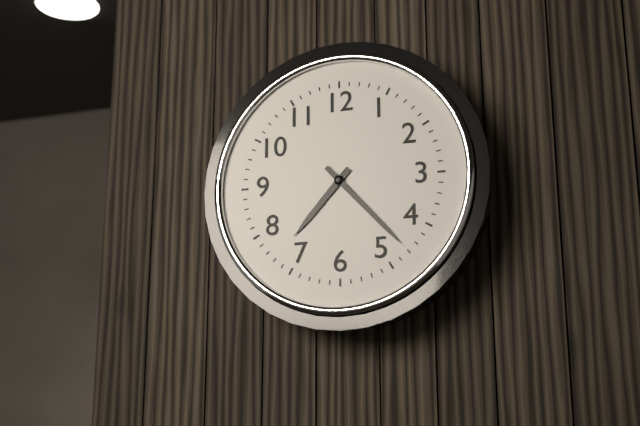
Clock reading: **7:23**
